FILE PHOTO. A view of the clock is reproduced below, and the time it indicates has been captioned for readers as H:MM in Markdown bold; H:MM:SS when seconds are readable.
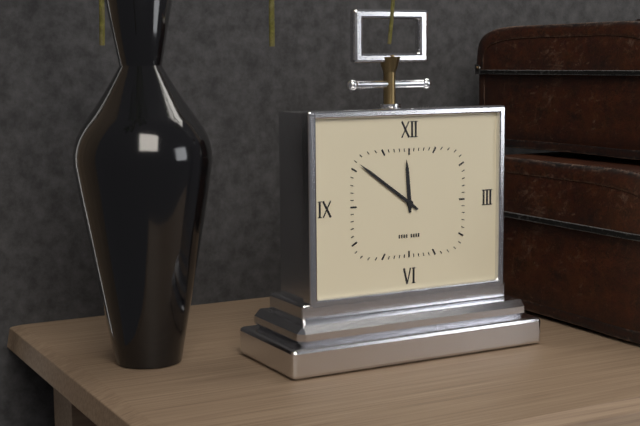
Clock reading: **11:51**
